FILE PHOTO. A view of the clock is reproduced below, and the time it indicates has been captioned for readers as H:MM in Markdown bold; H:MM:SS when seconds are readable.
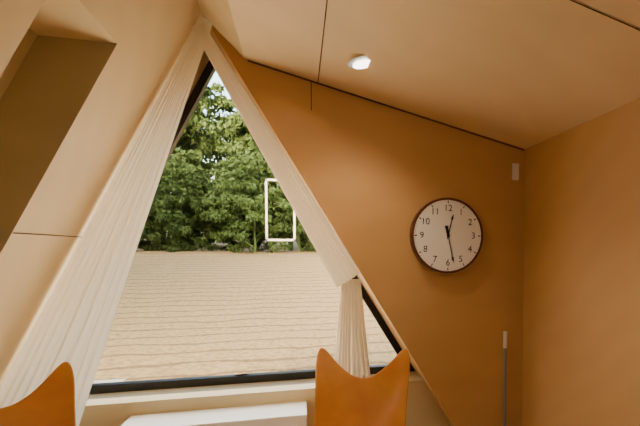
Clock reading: **12:28**
